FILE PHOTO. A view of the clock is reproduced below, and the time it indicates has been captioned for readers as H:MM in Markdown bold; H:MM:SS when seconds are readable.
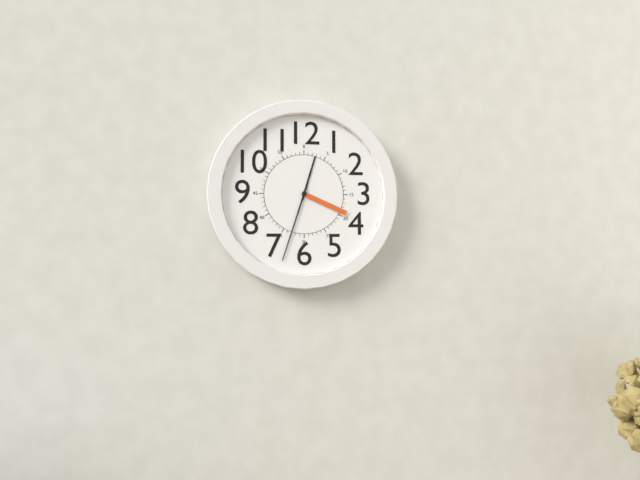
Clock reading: **12:33:19**
